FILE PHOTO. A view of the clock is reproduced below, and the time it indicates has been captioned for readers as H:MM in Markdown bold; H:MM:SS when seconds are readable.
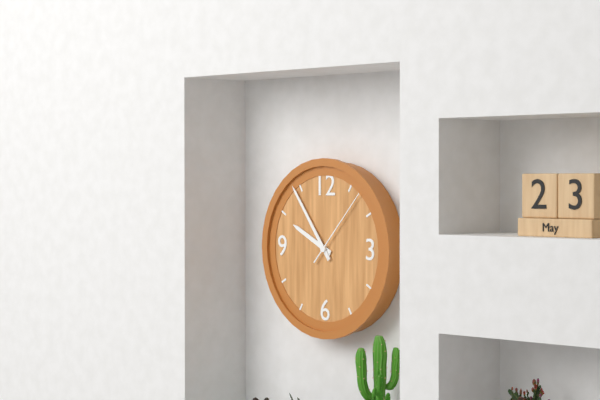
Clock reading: **9:54:07**
